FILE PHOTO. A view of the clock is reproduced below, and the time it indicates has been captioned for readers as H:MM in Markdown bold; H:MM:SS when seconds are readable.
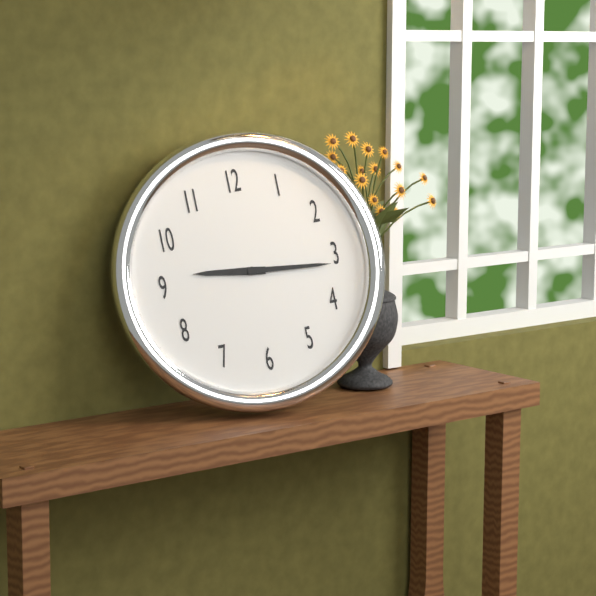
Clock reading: **9:16**
